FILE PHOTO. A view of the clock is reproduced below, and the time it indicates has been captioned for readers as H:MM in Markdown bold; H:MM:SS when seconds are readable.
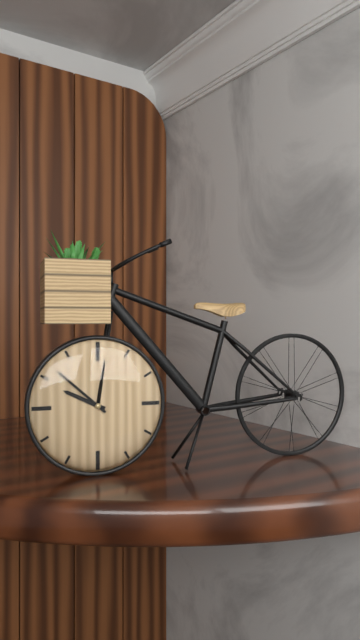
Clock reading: **9:52**
